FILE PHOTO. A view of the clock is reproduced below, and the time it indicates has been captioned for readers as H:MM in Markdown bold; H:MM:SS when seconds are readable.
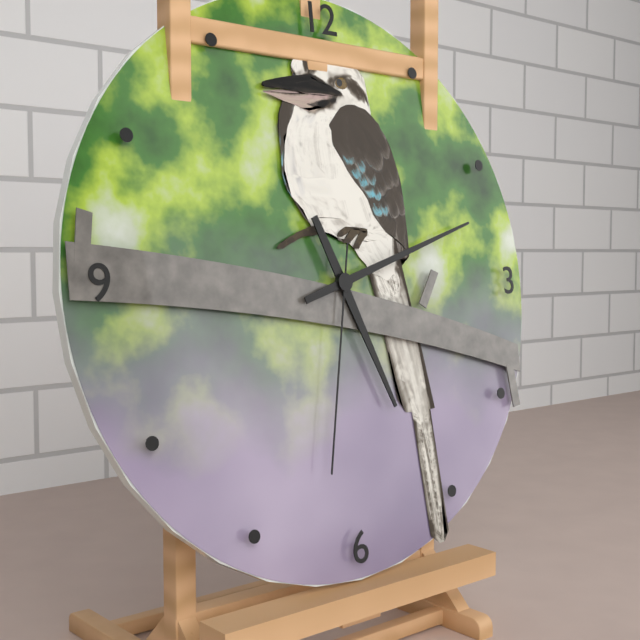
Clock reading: **5:12:32**
